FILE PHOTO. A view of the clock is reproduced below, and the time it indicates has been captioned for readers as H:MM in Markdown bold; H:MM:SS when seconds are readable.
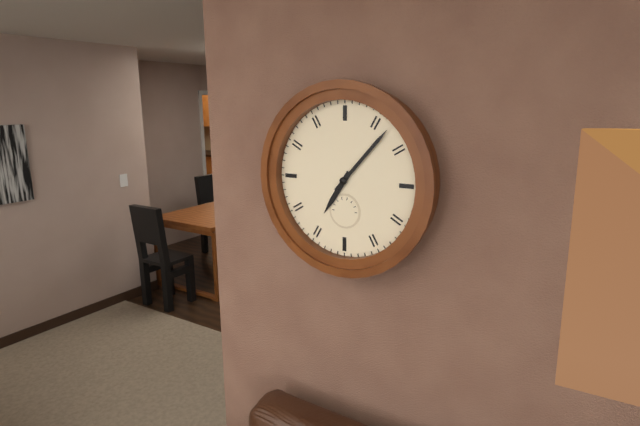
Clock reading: **7:07**
